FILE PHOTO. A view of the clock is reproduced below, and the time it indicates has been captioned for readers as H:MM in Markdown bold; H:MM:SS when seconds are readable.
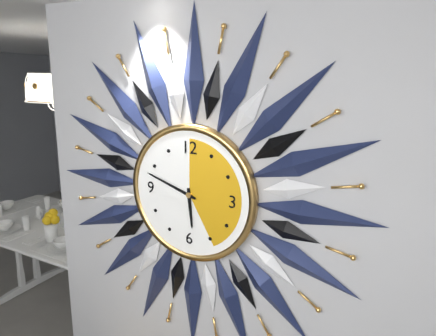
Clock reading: **5:48**
